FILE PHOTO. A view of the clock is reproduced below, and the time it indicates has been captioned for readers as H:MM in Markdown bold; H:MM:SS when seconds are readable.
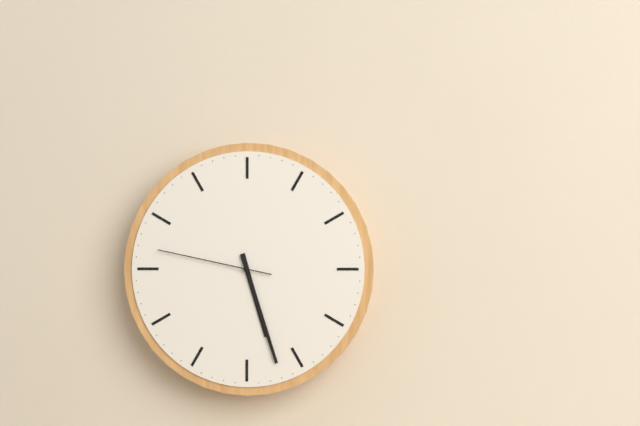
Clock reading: **5:27:47**
